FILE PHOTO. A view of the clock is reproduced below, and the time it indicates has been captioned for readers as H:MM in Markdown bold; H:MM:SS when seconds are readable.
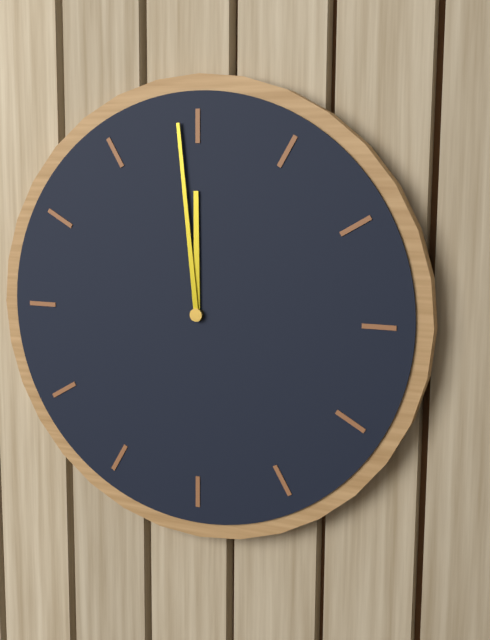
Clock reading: **11:59**
